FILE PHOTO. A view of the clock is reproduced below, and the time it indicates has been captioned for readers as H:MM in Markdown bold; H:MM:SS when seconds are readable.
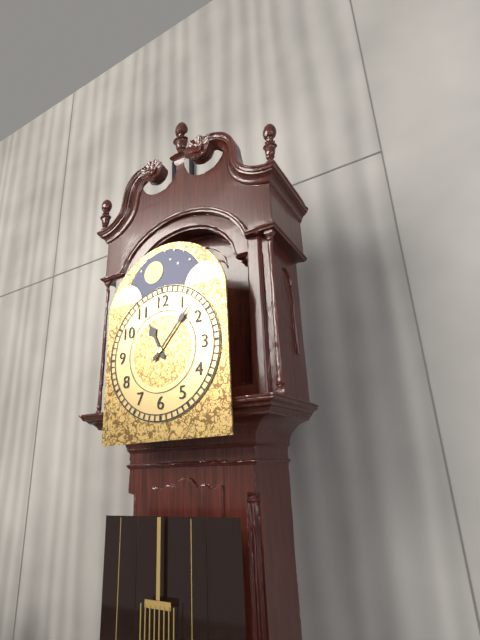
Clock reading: **11:07**
